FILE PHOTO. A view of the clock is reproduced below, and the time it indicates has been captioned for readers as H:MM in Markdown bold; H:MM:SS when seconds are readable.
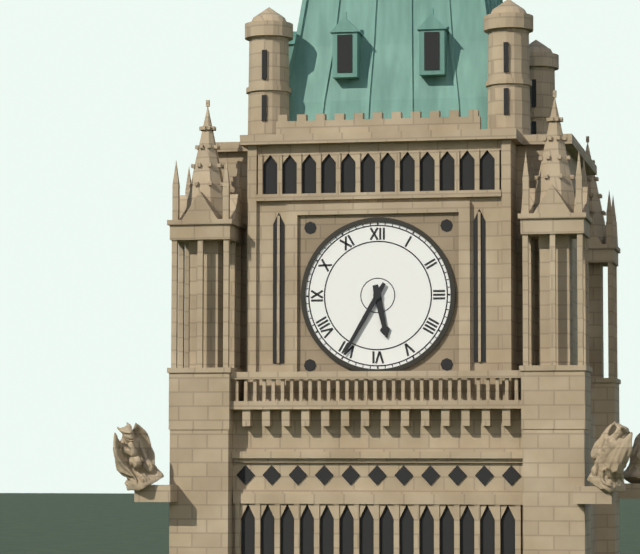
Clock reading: **5:35**
